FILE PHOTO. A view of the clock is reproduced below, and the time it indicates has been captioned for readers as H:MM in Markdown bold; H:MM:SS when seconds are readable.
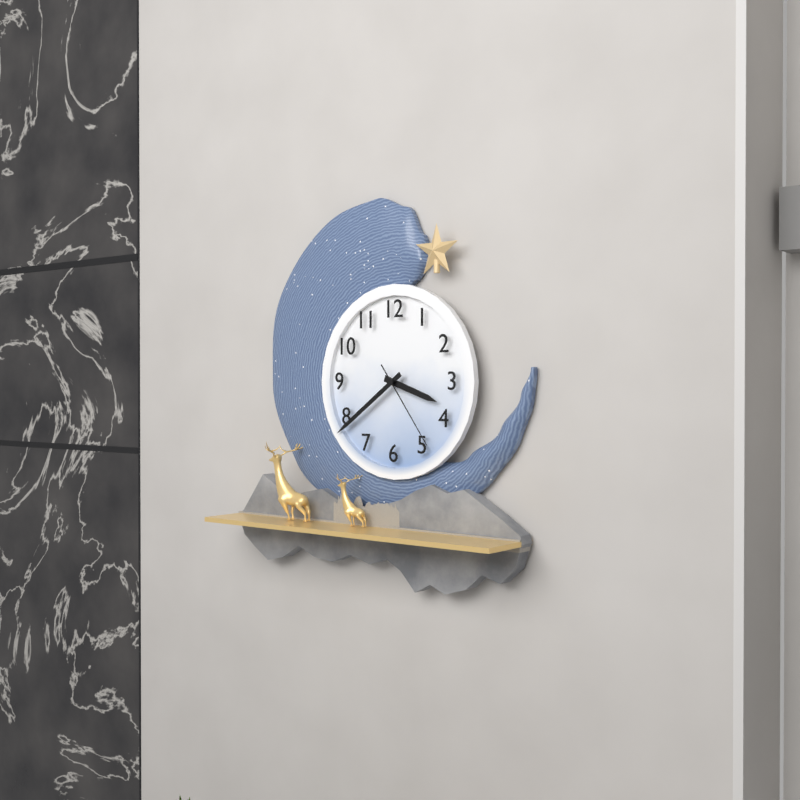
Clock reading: **3:39:24**
